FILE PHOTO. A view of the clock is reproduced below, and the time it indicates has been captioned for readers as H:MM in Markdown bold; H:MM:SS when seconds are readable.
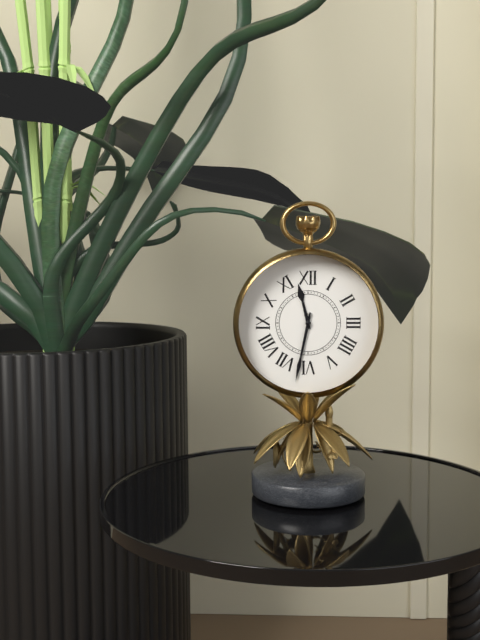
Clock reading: **11:32**
